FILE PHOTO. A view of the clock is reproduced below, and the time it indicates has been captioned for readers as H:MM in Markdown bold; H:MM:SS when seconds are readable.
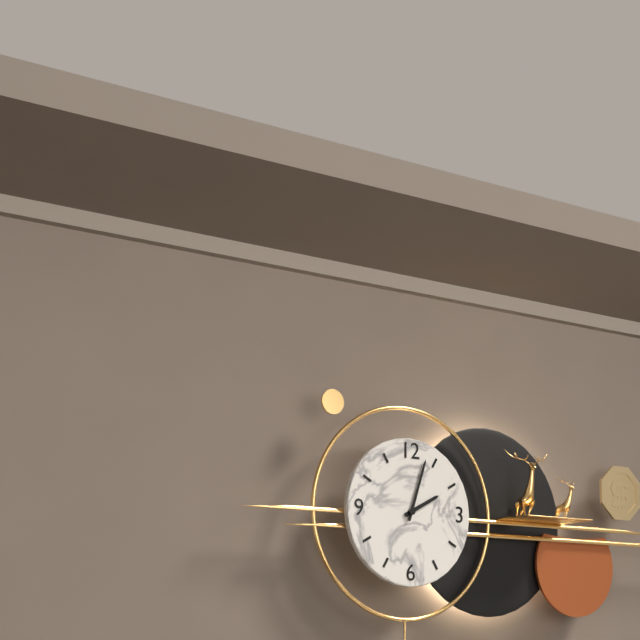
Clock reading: **2:03**
